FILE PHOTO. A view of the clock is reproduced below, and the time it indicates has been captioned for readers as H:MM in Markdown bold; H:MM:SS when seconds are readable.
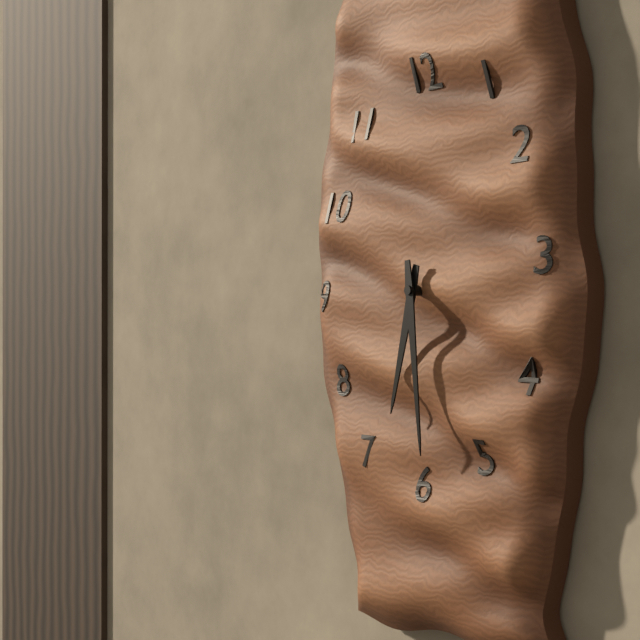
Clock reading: **6:29**
